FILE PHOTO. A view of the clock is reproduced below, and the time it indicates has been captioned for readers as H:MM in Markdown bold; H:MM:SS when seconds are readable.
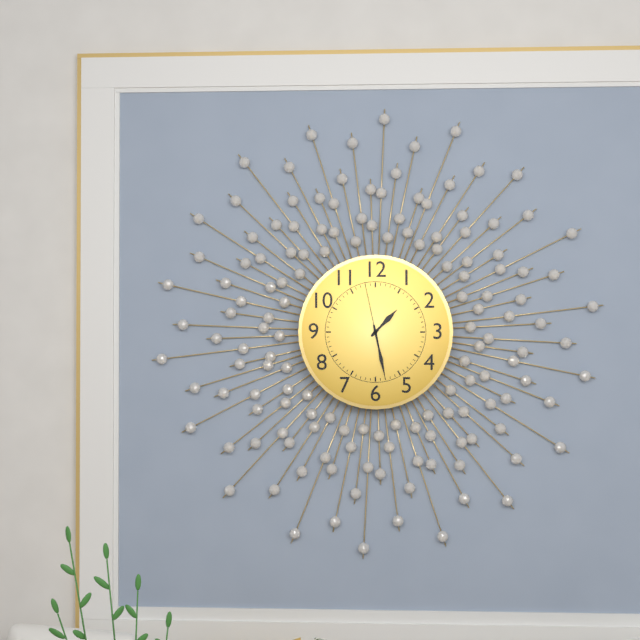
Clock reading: **1:28:58**
